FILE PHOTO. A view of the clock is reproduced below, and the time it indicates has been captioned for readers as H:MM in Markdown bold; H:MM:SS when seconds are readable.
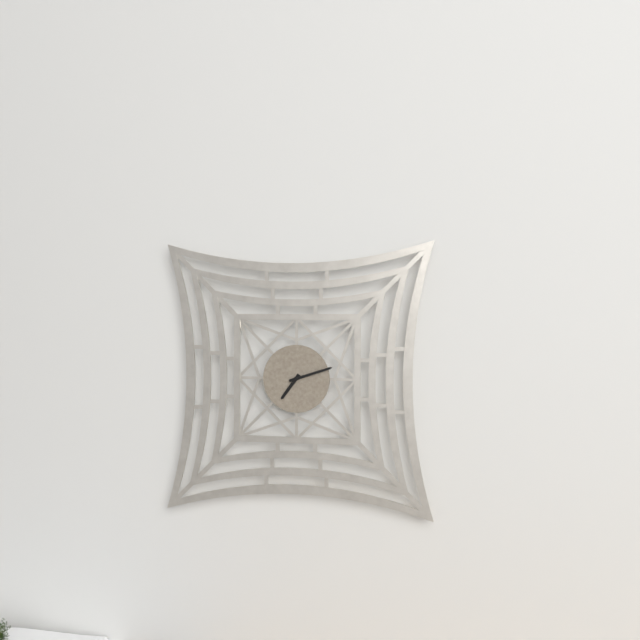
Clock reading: **7:12**
